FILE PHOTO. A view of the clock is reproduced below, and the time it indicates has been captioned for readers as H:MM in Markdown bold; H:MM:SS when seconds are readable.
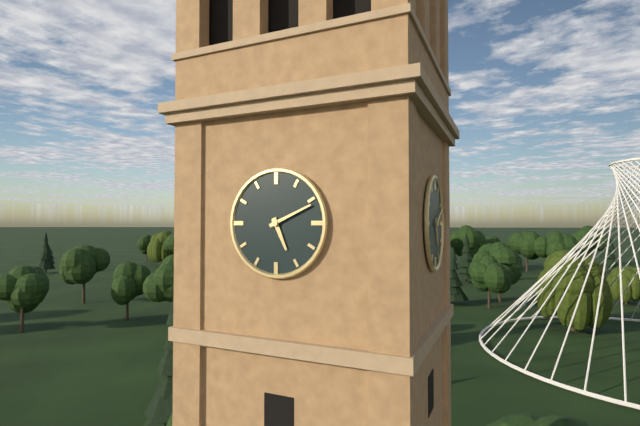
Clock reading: **5:11**
